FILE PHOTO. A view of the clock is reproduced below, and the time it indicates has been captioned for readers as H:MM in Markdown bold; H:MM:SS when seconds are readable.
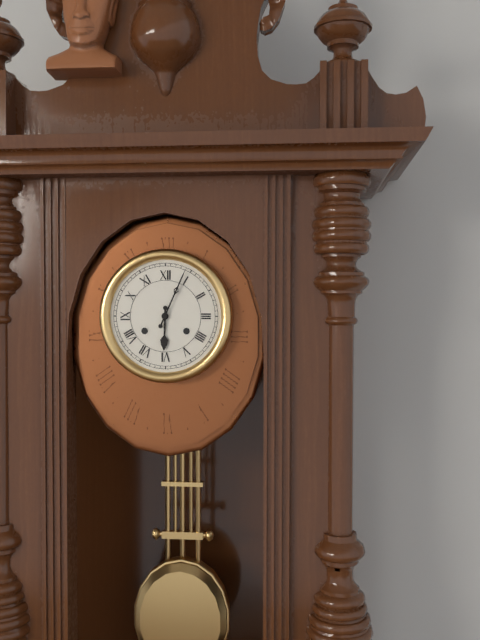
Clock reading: **6:04**
